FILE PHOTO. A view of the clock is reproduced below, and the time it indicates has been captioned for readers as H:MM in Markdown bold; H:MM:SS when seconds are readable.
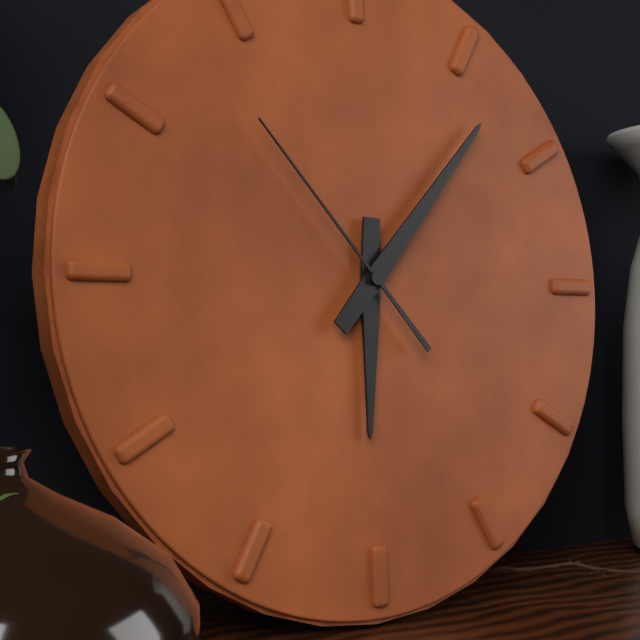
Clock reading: **6:07:53**
